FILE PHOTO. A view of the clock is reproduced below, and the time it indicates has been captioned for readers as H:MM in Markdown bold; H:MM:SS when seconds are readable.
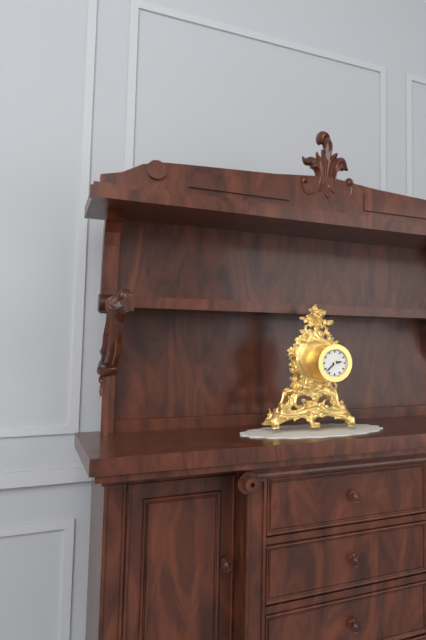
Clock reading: **2:38**
